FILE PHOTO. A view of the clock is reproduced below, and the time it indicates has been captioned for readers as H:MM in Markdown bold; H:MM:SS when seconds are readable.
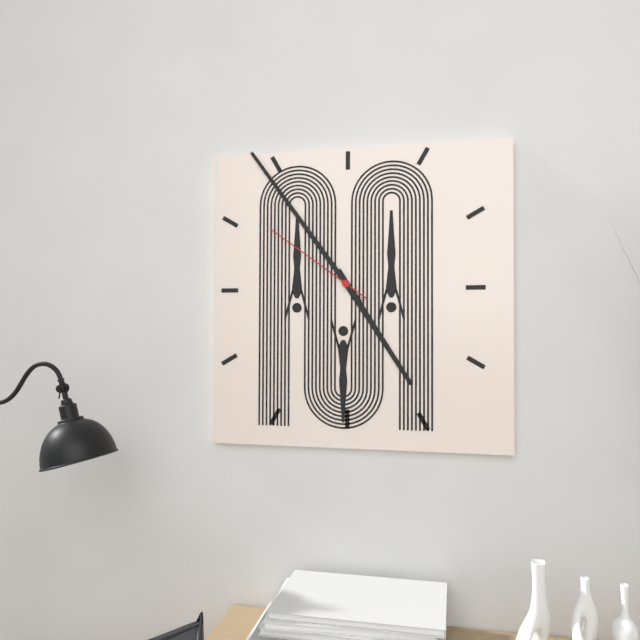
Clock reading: **4:54:51**
